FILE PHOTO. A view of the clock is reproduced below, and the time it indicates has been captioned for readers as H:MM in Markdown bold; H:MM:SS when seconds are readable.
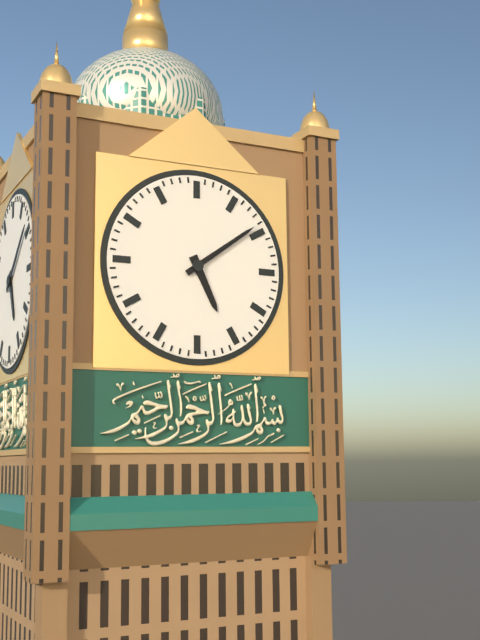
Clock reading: **5:09**
